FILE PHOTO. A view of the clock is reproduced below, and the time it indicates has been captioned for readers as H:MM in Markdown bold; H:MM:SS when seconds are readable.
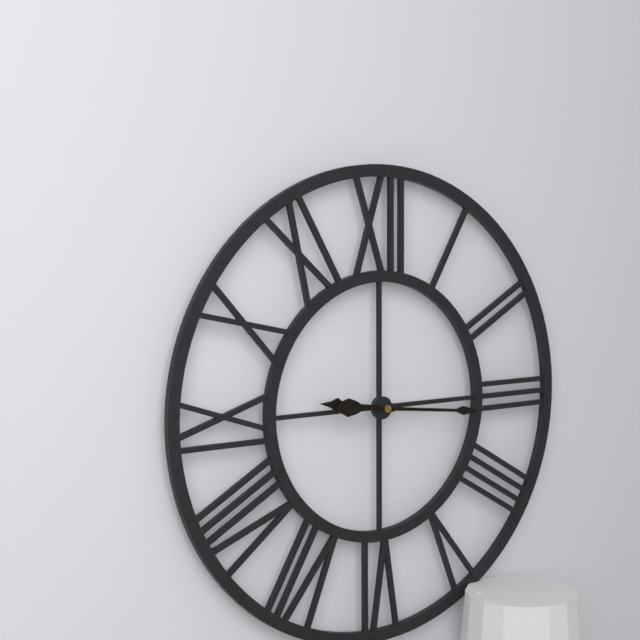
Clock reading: **9:16**
